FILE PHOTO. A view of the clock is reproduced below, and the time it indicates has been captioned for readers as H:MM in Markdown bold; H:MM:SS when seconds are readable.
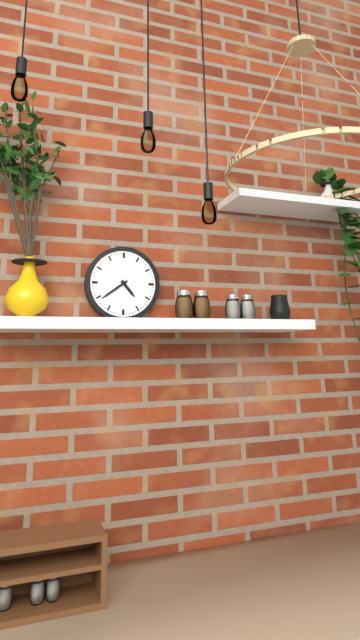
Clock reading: **4:39**
